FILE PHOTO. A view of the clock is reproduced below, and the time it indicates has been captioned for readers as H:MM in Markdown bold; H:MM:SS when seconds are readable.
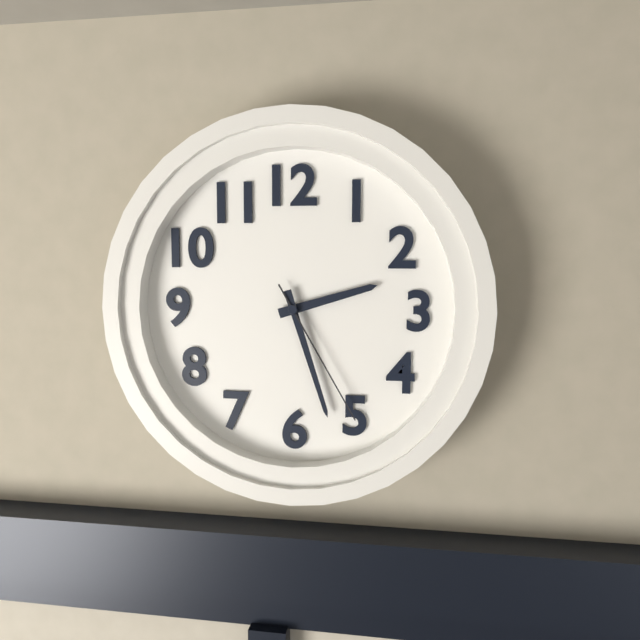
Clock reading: **2:27:25**
